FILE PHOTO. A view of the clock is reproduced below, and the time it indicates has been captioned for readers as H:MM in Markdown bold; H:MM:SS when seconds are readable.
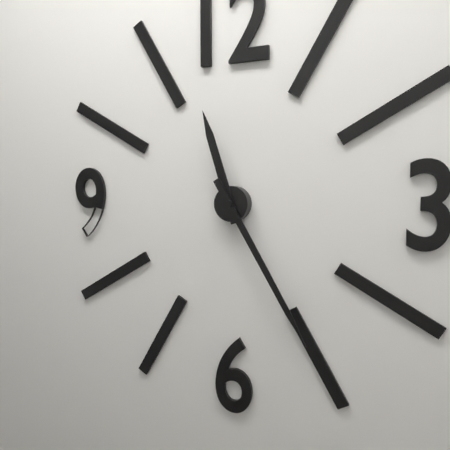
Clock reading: **11:25**
